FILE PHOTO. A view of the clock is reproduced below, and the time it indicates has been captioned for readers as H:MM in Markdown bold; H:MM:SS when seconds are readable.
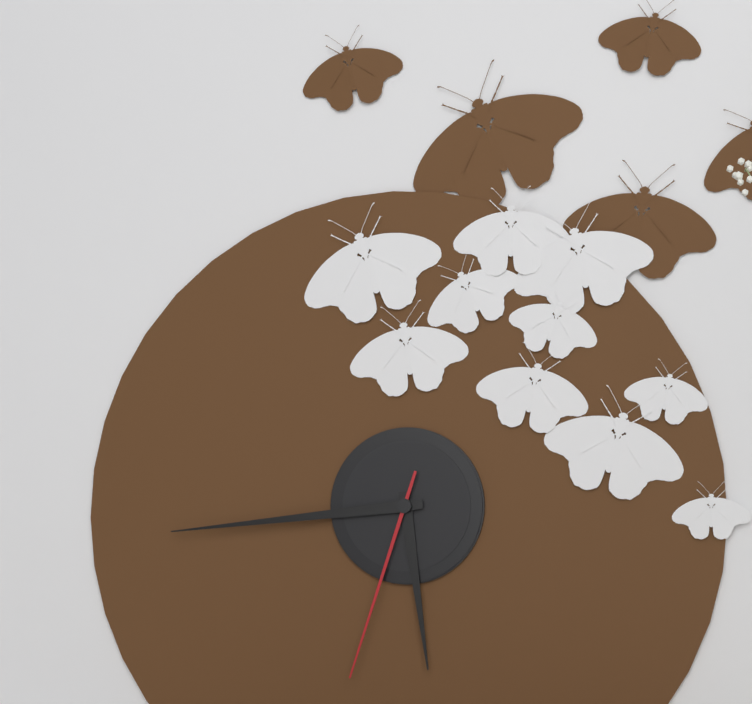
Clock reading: **5:44:33**
